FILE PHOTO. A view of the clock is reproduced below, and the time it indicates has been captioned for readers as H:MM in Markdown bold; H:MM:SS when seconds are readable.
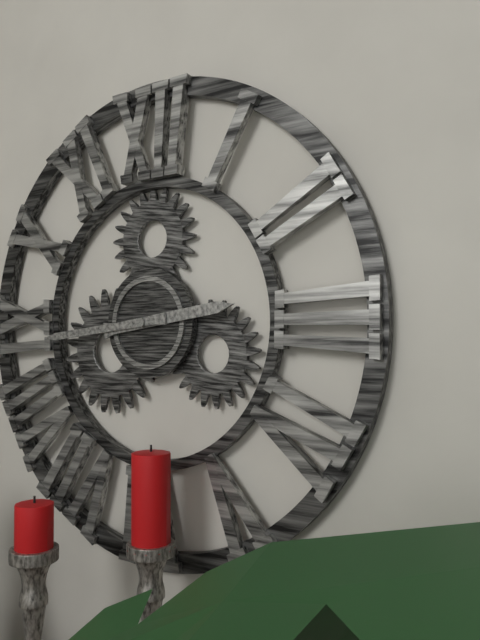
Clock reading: **2:44**
